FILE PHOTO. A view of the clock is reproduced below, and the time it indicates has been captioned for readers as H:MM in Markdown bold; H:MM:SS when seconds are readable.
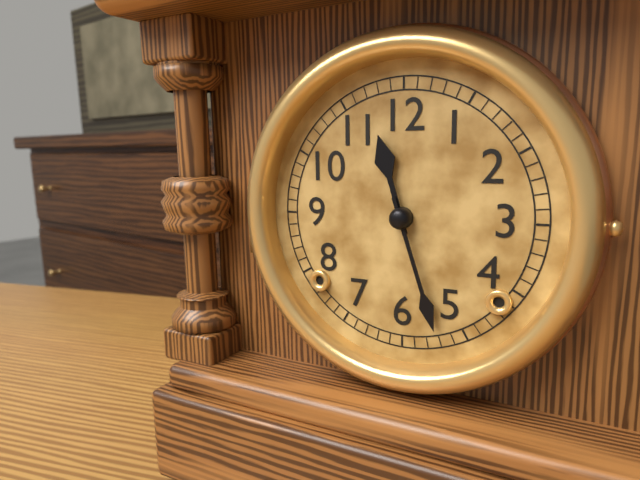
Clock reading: **11:27**
